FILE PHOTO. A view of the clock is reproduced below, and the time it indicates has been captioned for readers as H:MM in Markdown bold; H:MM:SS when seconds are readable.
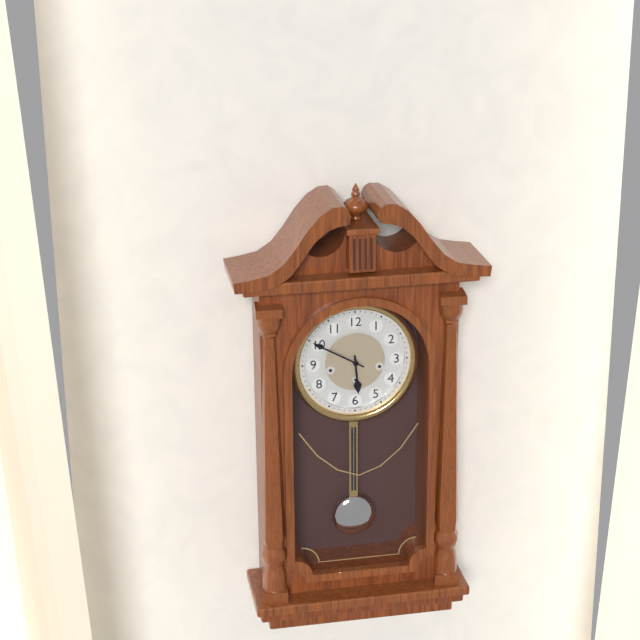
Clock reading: **5:50**
